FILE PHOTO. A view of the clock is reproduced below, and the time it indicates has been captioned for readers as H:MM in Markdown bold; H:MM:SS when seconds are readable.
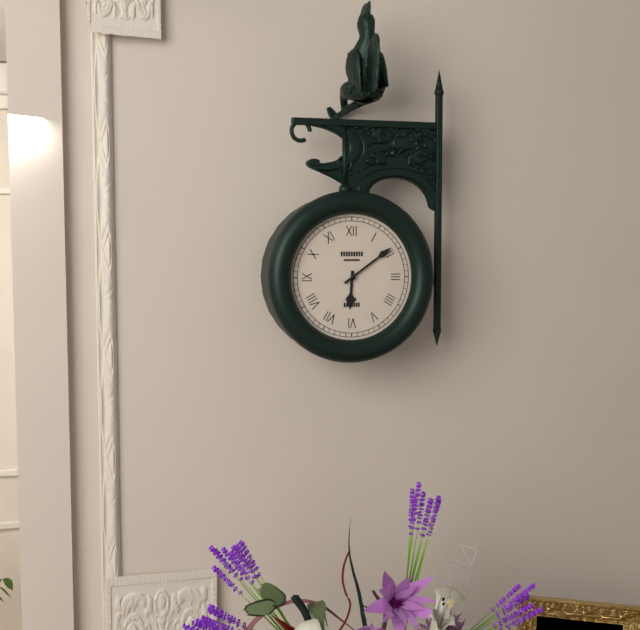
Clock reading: **6:09**
